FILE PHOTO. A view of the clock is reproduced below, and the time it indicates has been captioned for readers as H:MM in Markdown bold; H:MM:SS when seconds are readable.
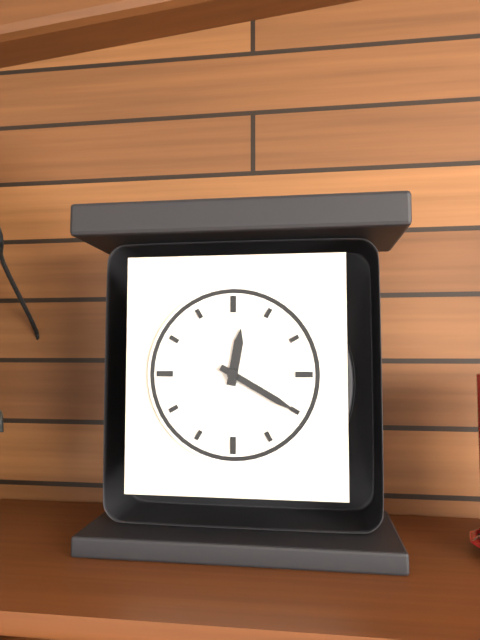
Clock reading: **12:20**
